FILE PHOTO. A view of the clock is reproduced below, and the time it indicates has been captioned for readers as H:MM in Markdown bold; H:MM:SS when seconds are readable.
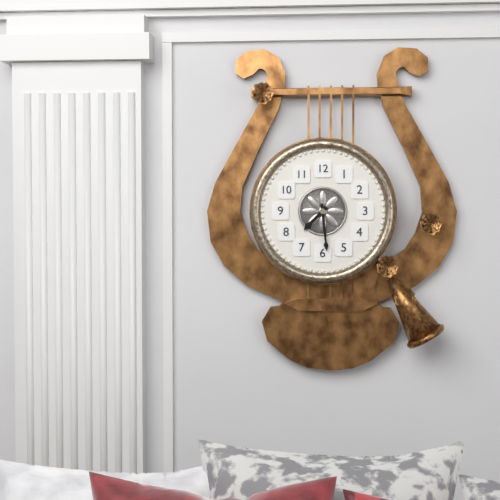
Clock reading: **7:29**
